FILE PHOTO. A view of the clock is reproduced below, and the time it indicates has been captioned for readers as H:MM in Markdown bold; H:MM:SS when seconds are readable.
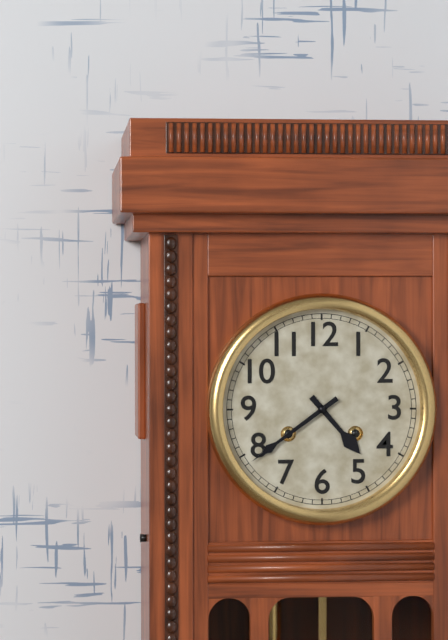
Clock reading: **4:39**
